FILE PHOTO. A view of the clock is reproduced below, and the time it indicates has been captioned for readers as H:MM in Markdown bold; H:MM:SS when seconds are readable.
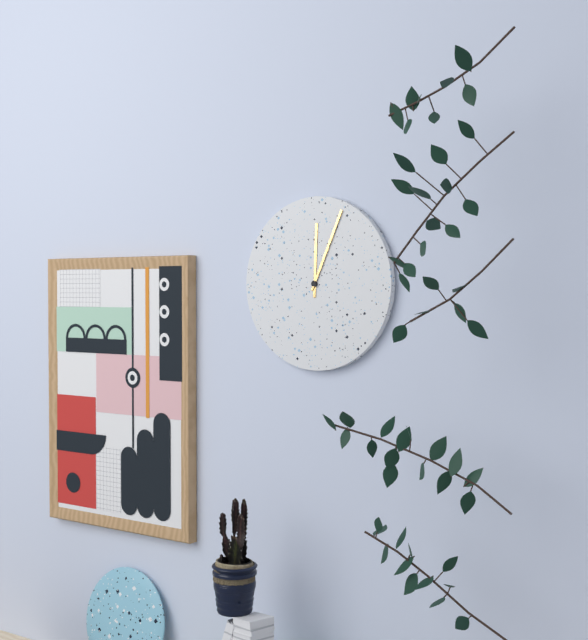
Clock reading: **12:04**
